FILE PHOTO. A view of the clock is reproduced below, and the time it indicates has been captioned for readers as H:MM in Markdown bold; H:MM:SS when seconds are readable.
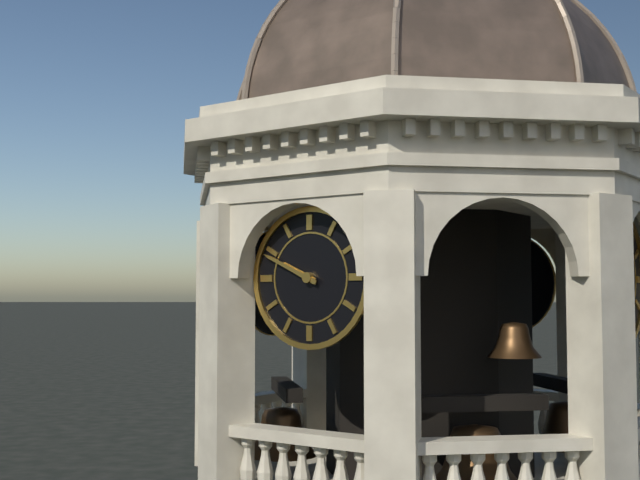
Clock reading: **9:49**
